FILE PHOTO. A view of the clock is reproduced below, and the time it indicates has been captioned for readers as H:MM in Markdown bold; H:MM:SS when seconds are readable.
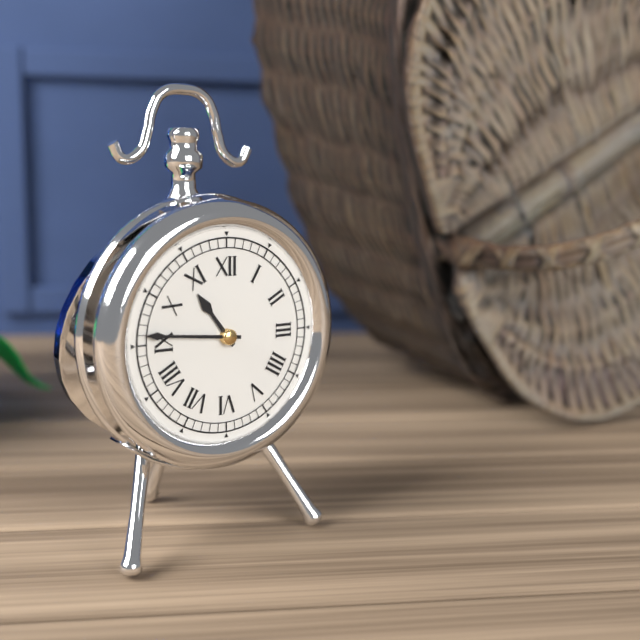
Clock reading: **10:46**
